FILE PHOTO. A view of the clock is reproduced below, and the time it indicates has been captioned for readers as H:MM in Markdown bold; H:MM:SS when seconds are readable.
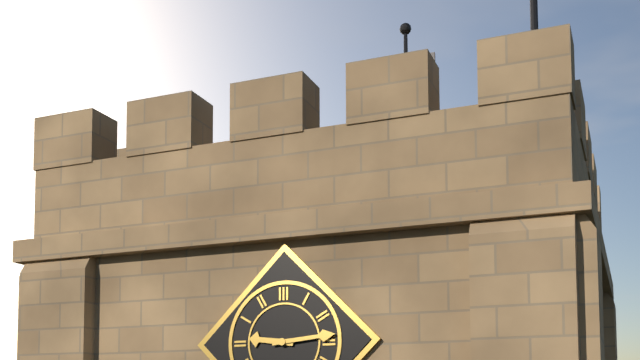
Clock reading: **9:14**
